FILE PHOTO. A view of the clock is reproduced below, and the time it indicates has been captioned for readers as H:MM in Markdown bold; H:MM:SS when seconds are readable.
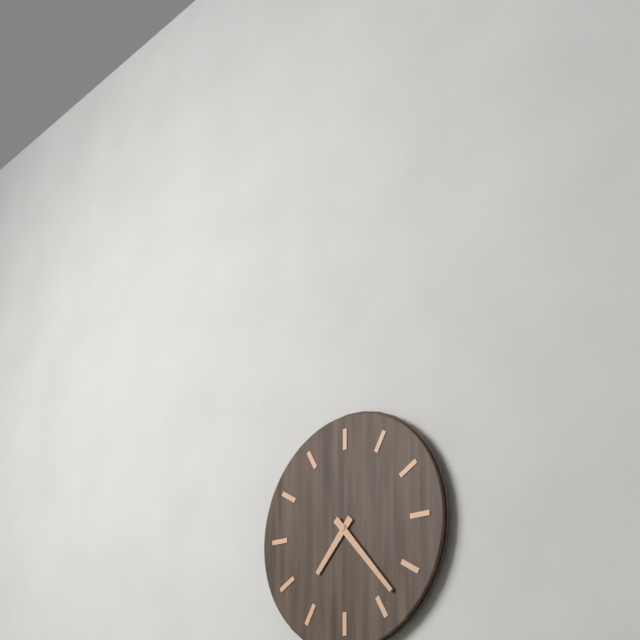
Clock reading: **7:23**
